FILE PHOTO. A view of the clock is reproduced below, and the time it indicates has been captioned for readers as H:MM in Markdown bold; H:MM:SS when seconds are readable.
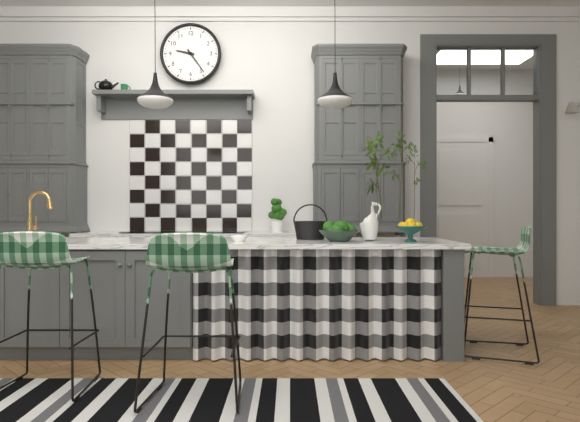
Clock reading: **9:24**
